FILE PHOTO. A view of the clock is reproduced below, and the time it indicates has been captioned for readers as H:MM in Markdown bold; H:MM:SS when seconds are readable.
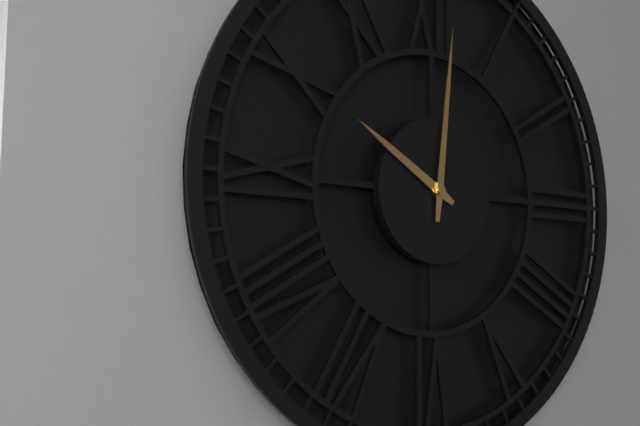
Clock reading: **10:01**
